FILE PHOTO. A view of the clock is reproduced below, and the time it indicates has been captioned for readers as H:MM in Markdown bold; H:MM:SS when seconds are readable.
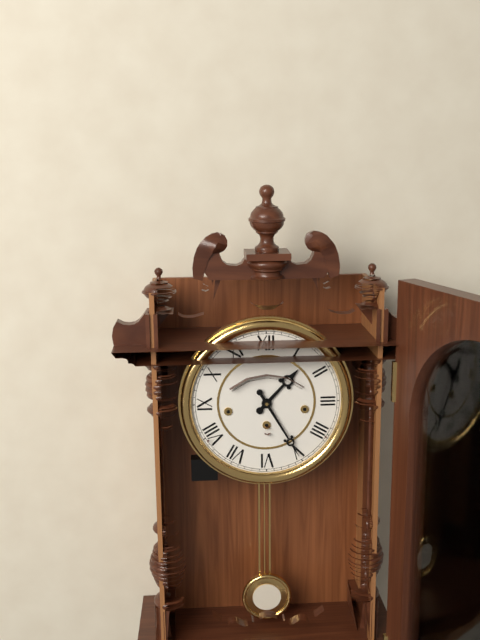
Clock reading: **1:25**
